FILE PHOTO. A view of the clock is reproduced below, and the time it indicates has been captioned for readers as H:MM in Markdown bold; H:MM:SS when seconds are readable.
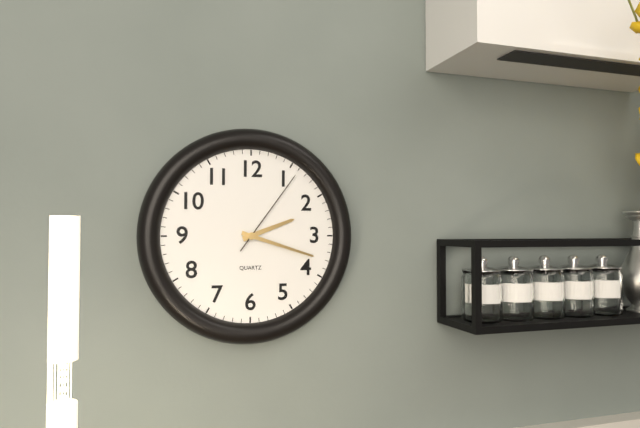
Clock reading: **2:18:06**
